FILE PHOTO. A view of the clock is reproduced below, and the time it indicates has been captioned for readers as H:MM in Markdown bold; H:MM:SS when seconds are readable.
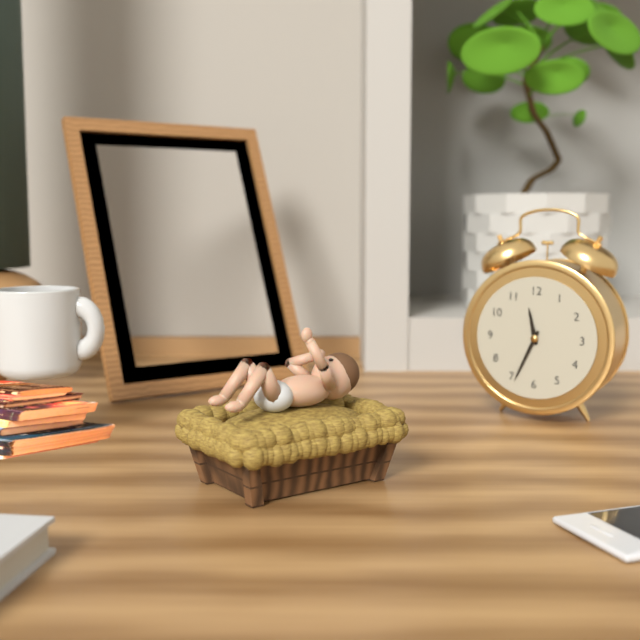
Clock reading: **11:34**
